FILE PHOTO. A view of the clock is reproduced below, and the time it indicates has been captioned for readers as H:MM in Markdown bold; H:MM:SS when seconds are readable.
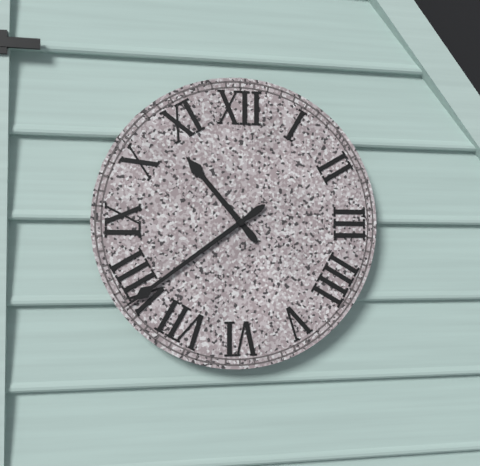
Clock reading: **10:39**
